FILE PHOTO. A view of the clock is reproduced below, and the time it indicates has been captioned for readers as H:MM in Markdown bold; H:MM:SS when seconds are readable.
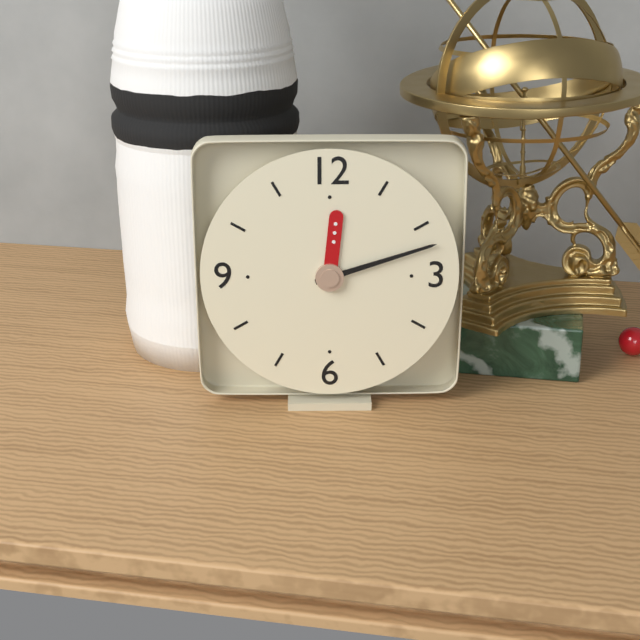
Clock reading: **12:12**
